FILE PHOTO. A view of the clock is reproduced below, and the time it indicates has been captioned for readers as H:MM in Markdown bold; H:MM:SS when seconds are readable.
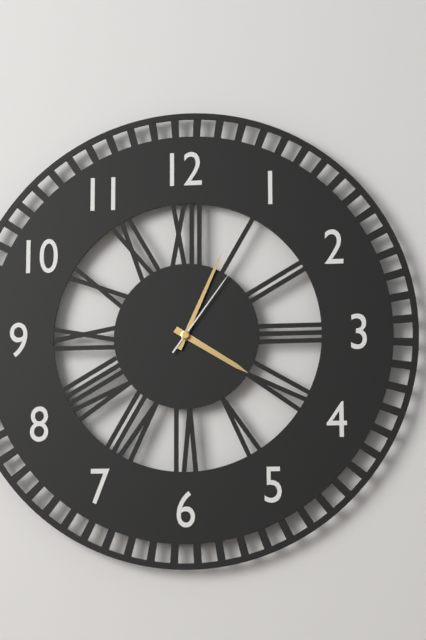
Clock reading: **4:04:06**
